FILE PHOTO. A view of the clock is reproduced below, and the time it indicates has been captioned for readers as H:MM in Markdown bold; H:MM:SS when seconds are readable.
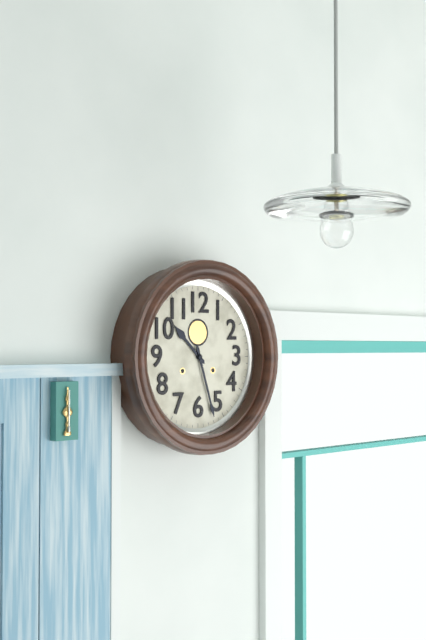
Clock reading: **10:27**
